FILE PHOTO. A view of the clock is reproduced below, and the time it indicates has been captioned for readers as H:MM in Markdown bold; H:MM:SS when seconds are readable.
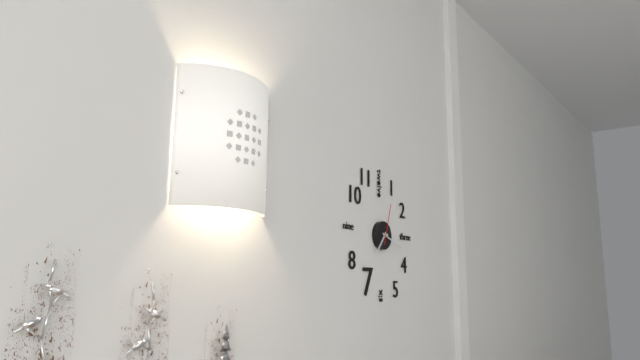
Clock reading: **7:18**
